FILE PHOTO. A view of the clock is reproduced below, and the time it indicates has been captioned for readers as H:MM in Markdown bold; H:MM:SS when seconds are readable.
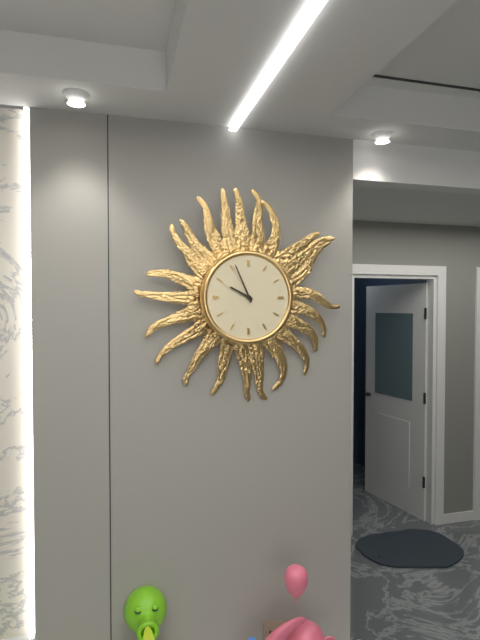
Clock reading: **9:56**
